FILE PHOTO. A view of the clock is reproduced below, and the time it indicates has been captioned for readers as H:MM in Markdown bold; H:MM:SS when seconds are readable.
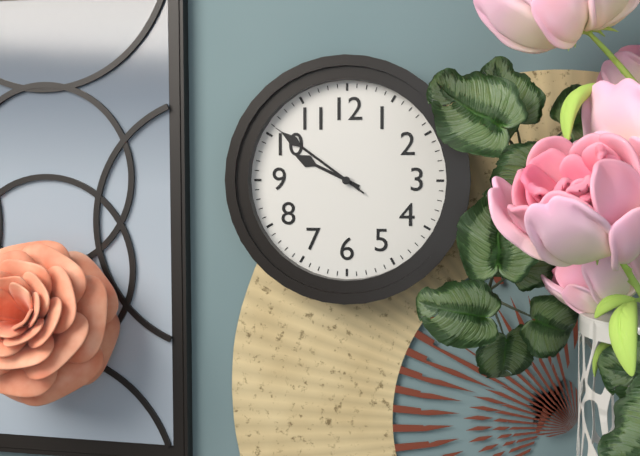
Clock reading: **9:51:51**
